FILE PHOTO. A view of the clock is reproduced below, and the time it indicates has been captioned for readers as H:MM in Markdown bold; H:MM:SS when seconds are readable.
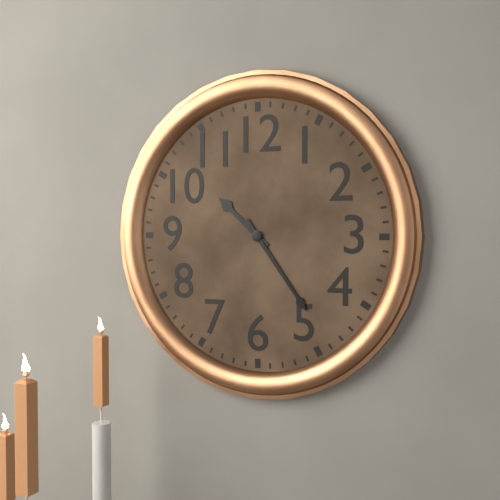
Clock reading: **10:24**
